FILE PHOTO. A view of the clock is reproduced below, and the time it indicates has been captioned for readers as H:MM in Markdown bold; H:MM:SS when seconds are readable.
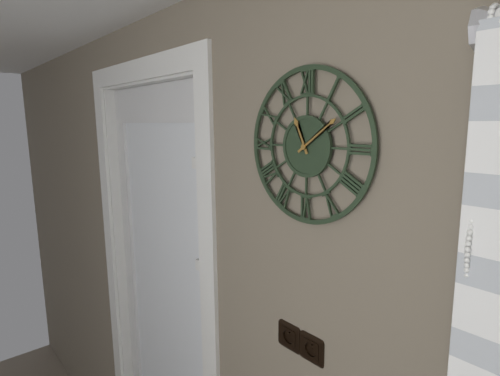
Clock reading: **11:09**
